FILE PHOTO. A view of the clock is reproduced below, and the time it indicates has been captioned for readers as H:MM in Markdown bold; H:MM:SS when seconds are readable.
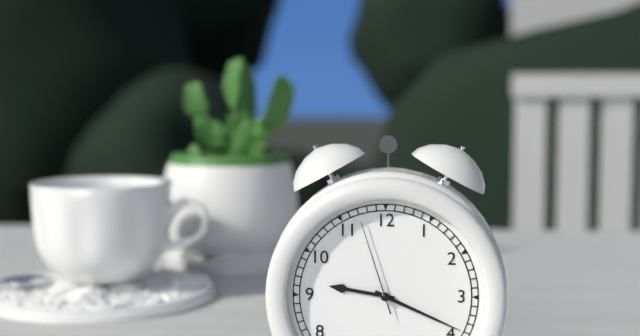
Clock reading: **9:19:57**
